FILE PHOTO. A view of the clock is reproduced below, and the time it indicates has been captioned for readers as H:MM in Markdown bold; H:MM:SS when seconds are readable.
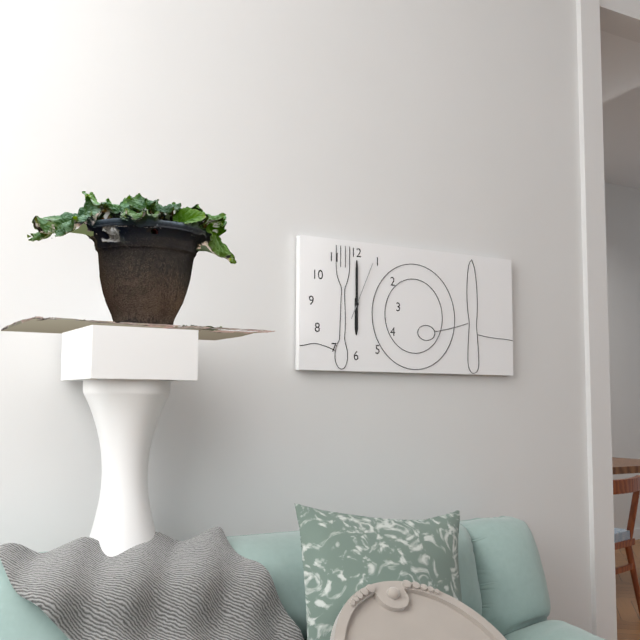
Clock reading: **6:00:04**
